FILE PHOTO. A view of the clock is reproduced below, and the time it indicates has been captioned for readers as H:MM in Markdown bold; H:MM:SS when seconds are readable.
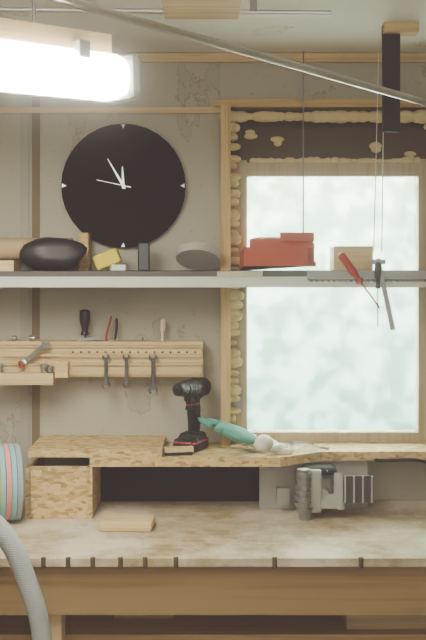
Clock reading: **11:55**
